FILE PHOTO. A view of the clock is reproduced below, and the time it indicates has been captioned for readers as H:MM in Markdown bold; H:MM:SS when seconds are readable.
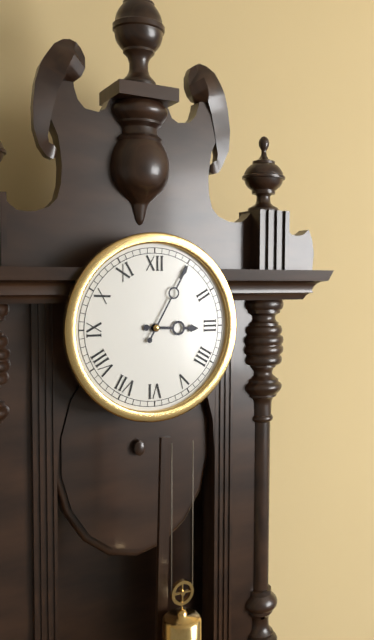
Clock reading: **3:05**
